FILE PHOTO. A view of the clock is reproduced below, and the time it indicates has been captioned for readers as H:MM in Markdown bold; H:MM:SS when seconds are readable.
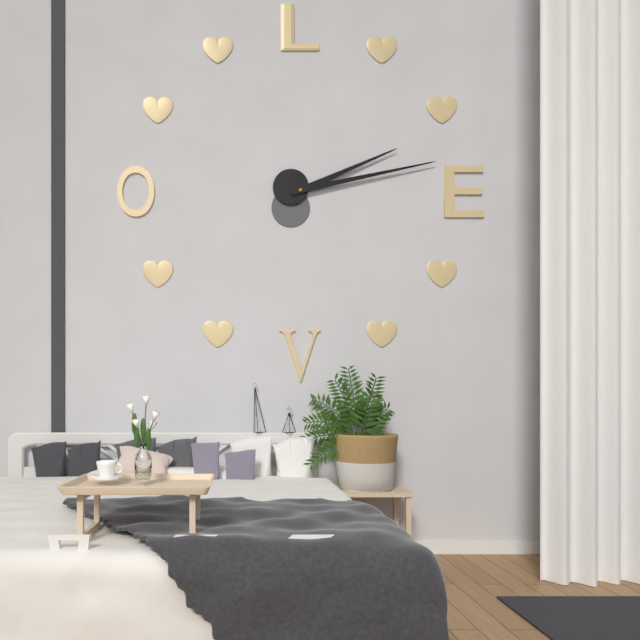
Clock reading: **2:13**
